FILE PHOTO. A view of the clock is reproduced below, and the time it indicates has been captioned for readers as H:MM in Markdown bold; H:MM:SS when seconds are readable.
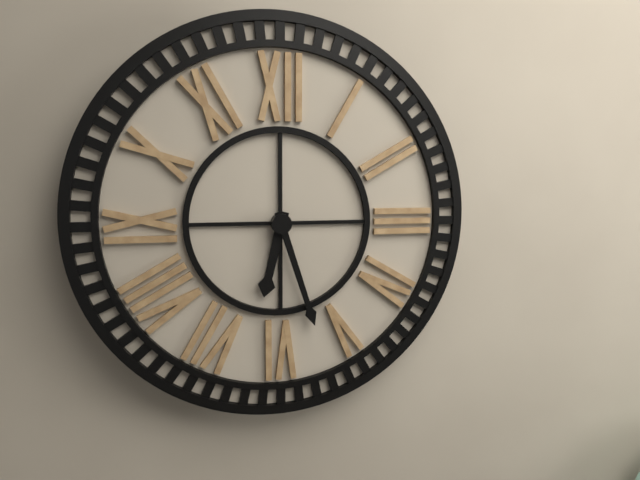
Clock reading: **6:27**
